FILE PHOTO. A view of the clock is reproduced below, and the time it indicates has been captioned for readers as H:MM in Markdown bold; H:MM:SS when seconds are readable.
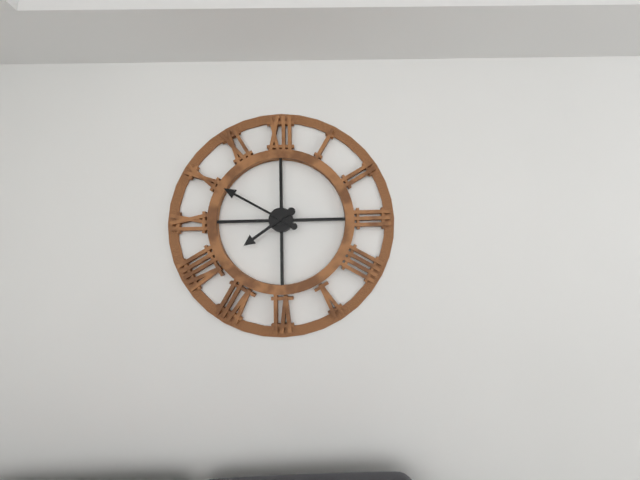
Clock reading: **7:50**
